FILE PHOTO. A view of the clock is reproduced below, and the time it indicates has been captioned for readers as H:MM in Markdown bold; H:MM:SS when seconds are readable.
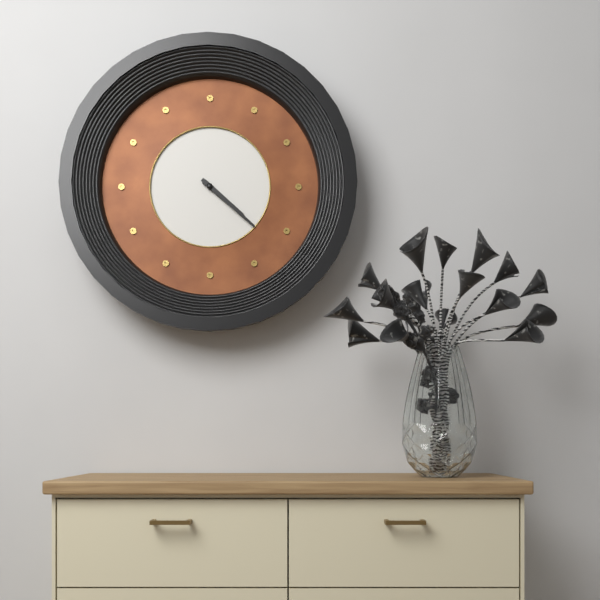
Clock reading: **4:22**
